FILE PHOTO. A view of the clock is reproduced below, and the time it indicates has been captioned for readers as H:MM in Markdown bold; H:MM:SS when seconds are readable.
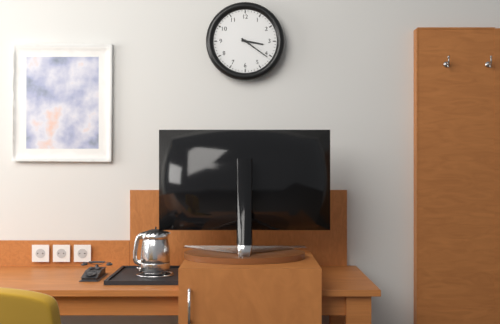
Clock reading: **3:21**
